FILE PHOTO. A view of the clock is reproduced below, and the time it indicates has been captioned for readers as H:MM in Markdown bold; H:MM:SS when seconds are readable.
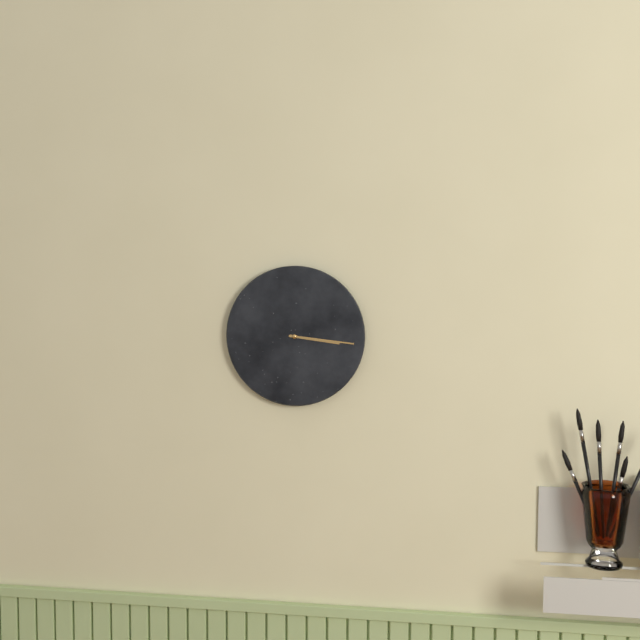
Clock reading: **3:16**
